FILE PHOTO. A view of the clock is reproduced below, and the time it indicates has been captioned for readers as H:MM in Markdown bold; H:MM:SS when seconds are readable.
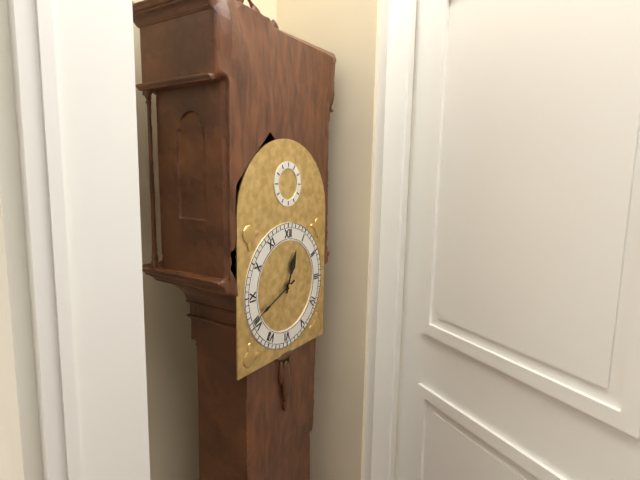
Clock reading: **12:41**
